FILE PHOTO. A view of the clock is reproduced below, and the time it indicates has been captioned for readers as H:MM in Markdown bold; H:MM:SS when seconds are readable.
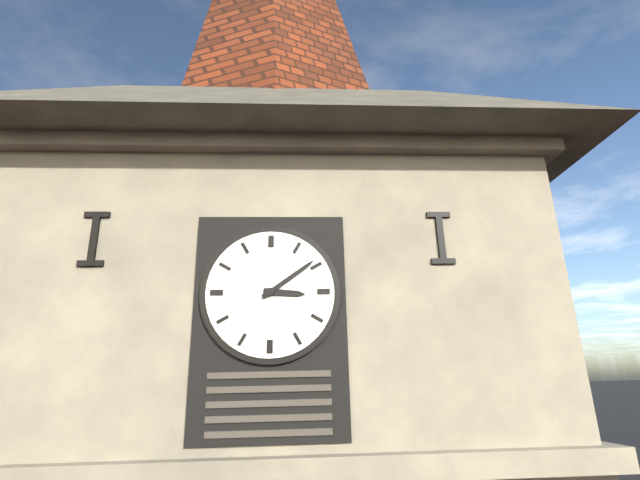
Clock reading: **3:09**
